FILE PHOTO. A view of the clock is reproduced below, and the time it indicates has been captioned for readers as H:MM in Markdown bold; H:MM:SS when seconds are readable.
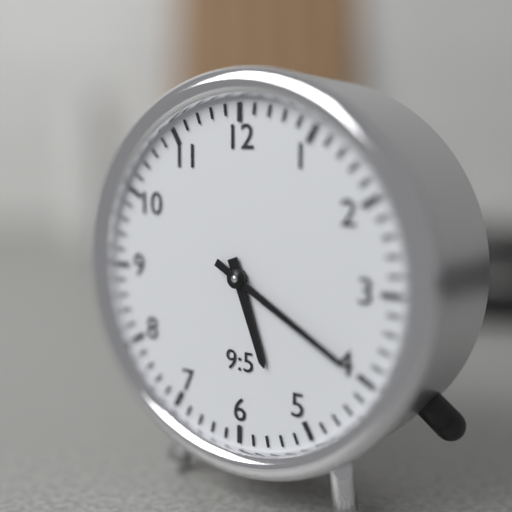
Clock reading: **5:20**
